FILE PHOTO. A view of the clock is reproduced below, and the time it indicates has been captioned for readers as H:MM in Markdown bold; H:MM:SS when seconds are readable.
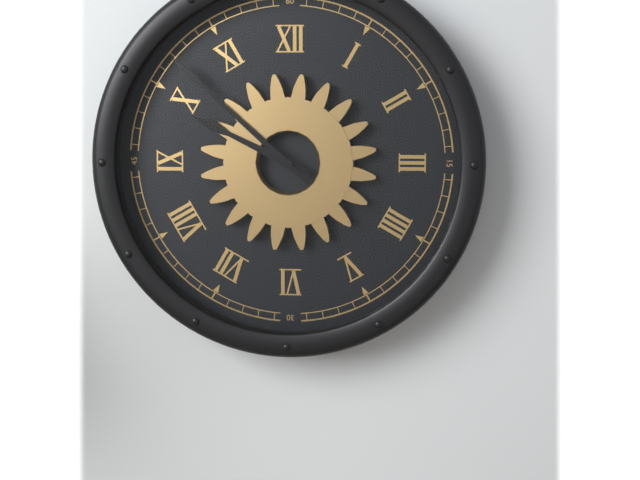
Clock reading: **9:52**
